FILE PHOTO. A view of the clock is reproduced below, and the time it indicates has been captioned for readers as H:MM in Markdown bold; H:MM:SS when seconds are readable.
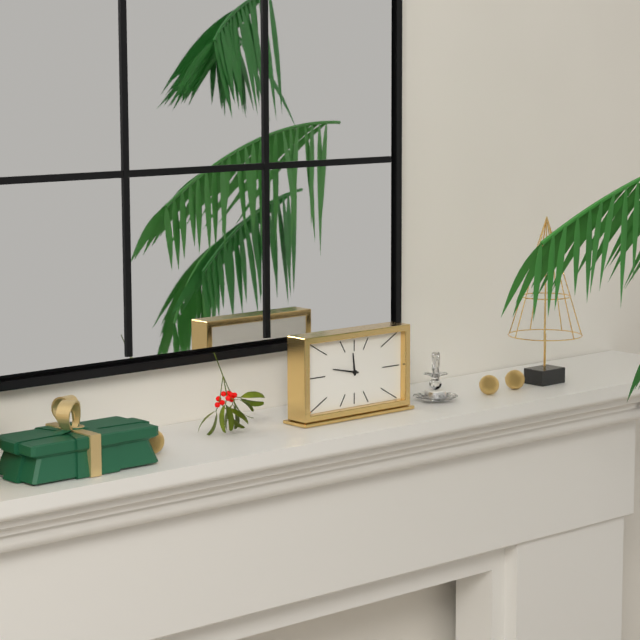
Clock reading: **11:47**
